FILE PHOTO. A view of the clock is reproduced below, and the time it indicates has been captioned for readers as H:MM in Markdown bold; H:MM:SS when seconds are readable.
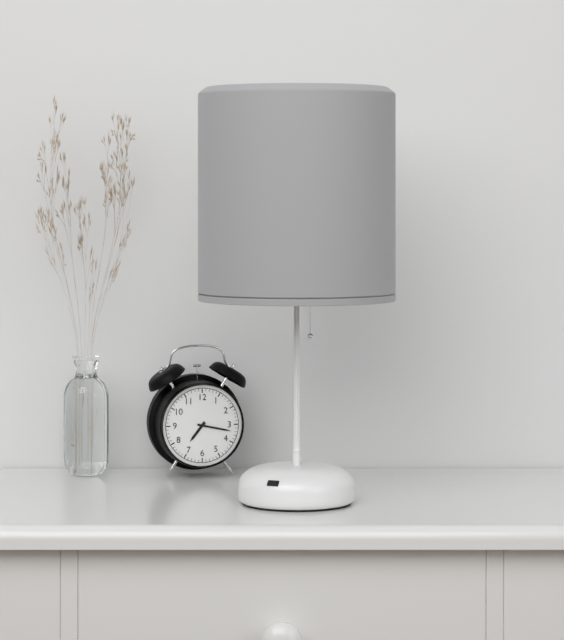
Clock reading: **7:17**
